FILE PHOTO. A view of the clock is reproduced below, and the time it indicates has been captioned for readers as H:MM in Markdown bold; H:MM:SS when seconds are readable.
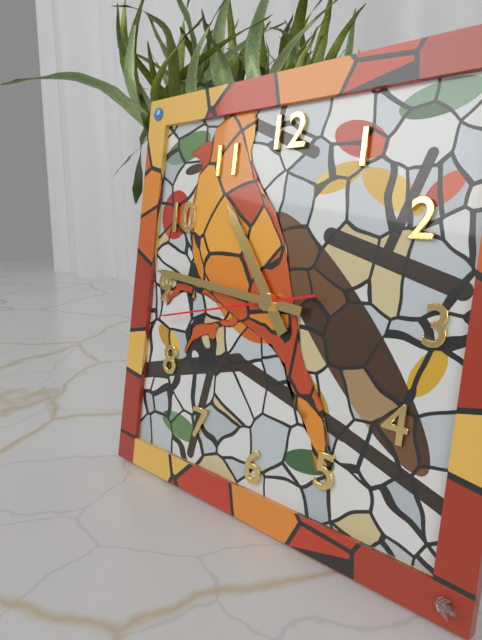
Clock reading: **10:46:43**
